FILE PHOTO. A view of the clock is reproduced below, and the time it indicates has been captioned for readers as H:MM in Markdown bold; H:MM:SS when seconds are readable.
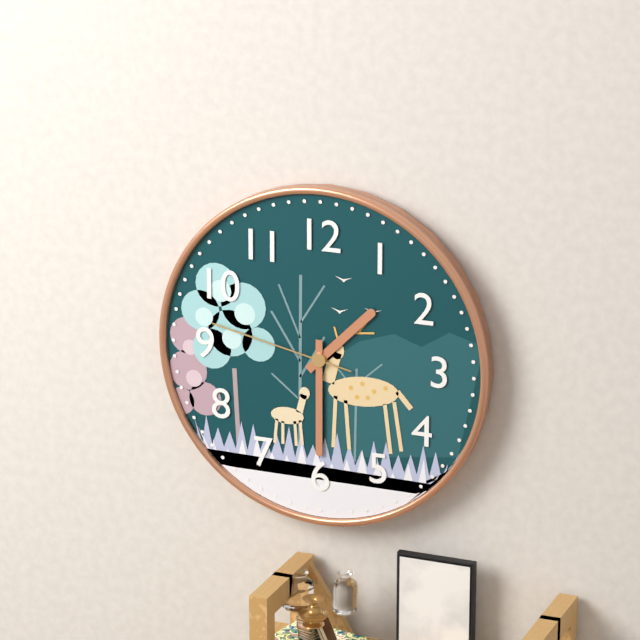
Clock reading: **1:30:47**
